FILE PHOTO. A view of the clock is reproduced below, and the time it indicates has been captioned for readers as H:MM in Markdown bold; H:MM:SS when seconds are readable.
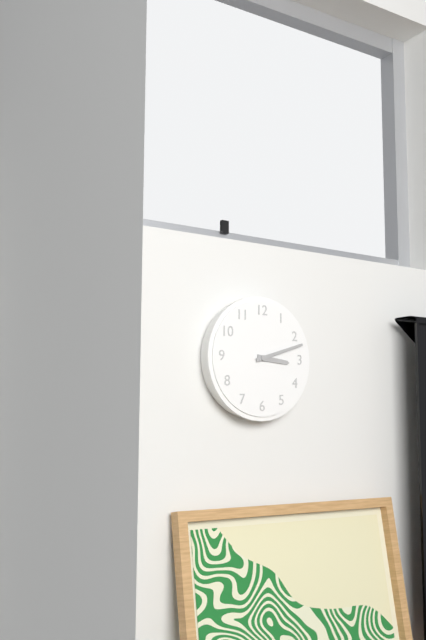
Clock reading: **3:12**
